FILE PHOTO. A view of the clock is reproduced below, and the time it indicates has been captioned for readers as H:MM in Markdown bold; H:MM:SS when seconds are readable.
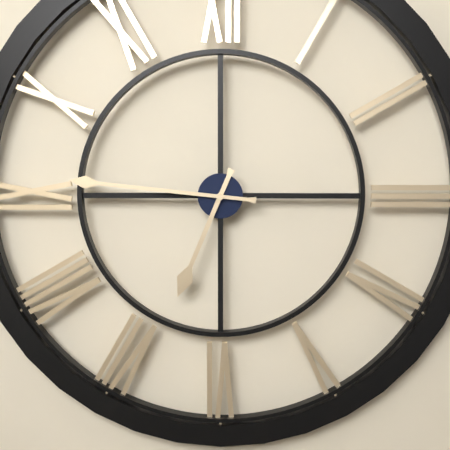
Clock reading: **6:46**
